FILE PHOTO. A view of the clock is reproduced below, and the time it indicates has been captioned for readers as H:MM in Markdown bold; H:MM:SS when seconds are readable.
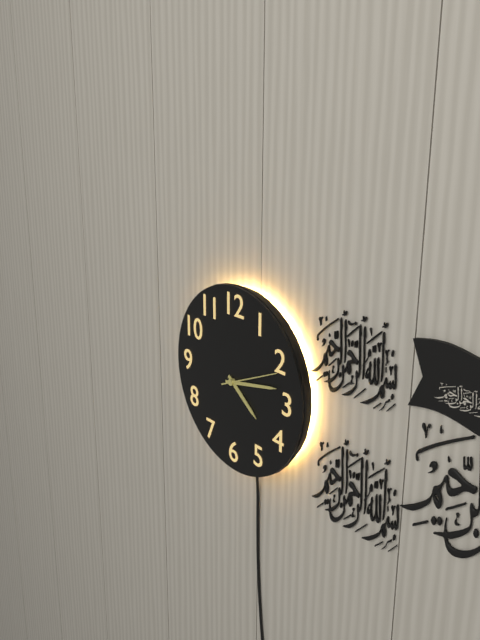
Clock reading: **4:13:11**
